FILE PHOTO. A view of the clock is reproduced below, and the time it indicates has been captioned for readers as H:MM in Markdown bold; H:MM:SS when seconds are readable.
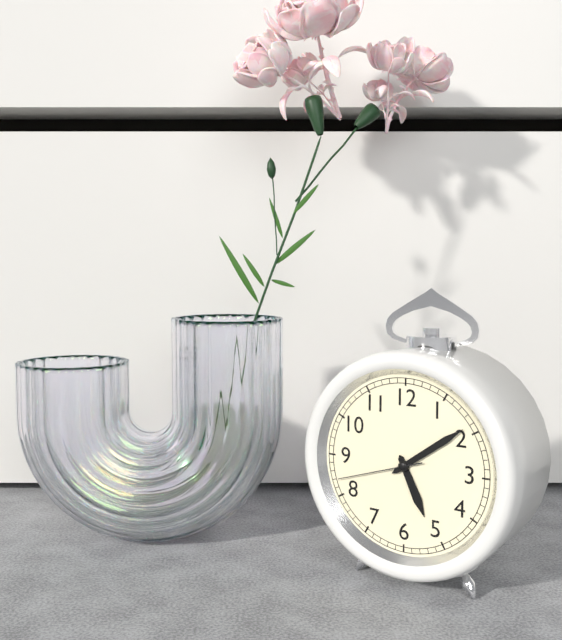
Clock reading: **5:09:42**
